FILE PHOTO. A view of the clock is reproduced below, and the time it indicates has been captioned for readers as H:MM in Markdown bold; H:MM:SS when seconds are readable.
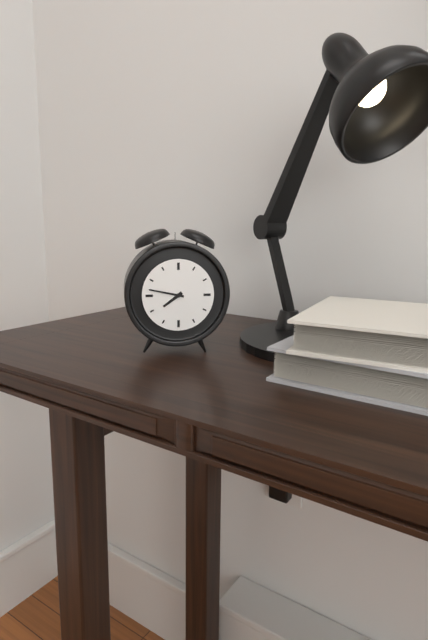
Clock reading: **7:47**
